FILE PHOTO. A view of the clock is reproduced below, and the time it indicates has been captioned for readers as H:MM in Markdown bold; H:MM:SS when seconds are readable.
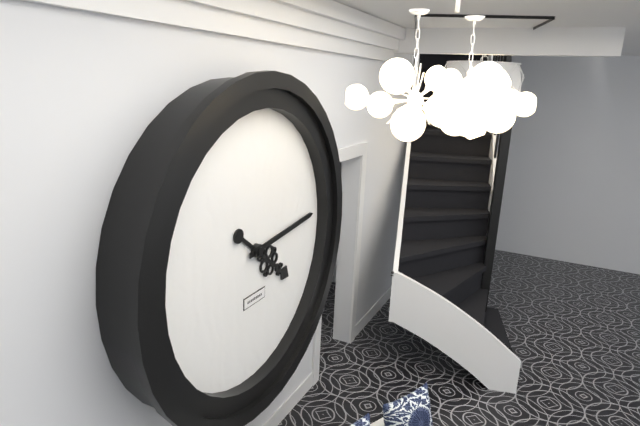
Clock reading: **4:14**
